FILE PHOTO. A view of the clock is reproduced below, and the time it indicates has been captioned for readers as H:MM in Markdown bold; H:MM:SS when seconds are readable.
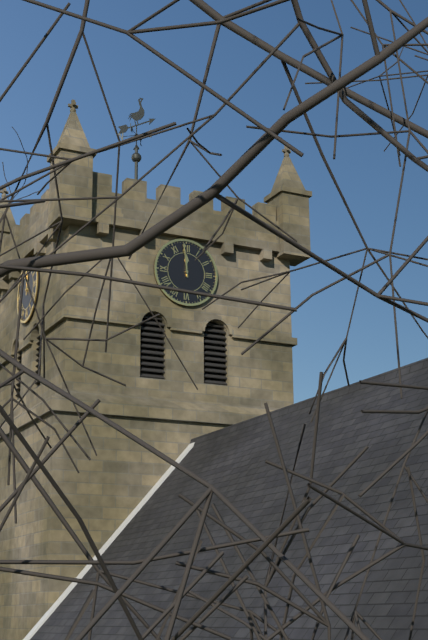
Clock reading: **11:59**
